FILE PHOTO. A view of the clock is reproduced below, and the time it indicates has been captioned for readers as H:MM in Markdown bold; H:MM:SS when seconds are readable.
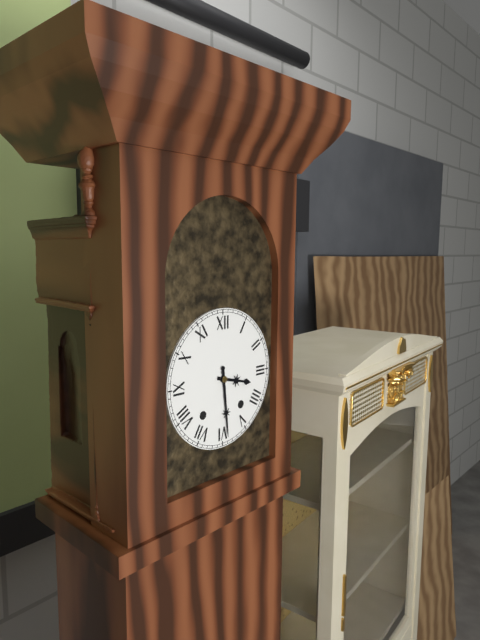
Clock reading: **3:29**
